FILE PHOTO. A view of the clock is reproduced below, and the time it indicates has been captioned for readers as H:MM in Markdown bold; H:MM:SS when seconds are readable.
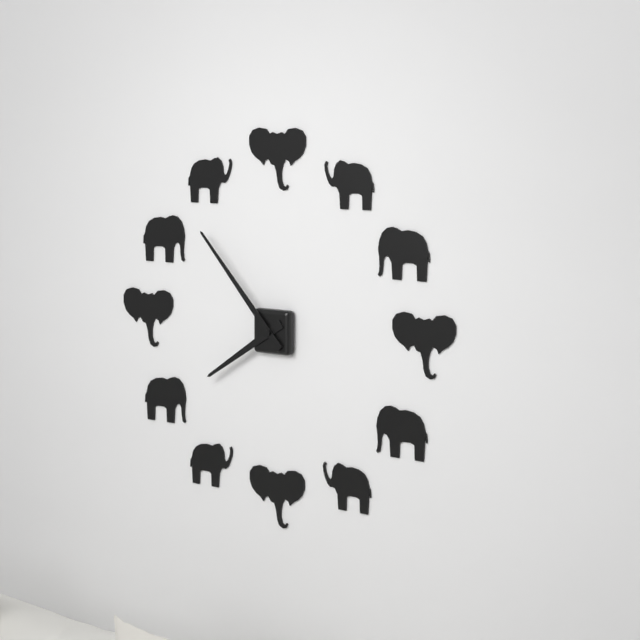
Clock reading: **7:53**
